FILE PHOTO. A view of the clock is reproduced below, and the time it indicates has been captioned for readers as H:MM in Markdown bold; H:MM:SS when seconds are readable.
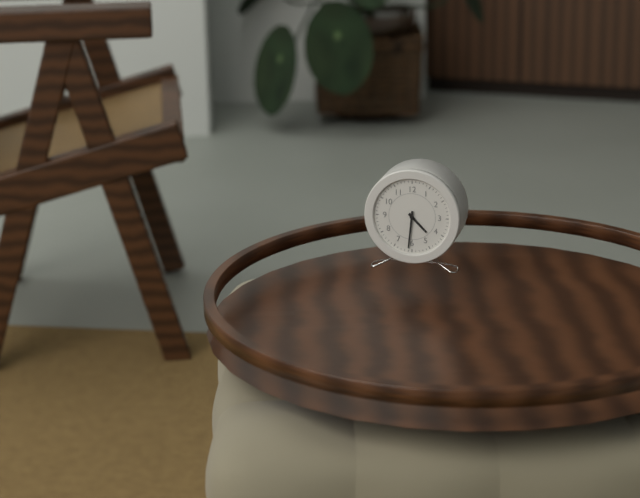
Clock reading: **4:31**
